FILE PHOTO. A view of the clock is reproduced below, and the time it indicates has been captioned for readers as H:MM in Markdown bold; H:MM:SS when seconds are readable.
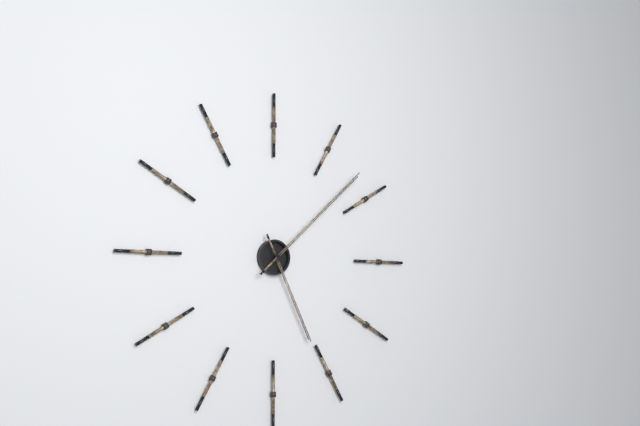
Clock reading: **5:08**
